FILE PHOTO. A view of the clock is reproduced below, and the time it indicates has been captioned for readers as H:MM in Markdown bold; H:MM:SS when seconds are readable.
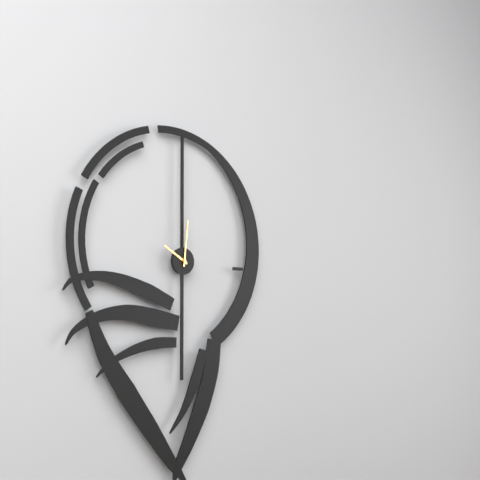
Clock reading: **10:01**
